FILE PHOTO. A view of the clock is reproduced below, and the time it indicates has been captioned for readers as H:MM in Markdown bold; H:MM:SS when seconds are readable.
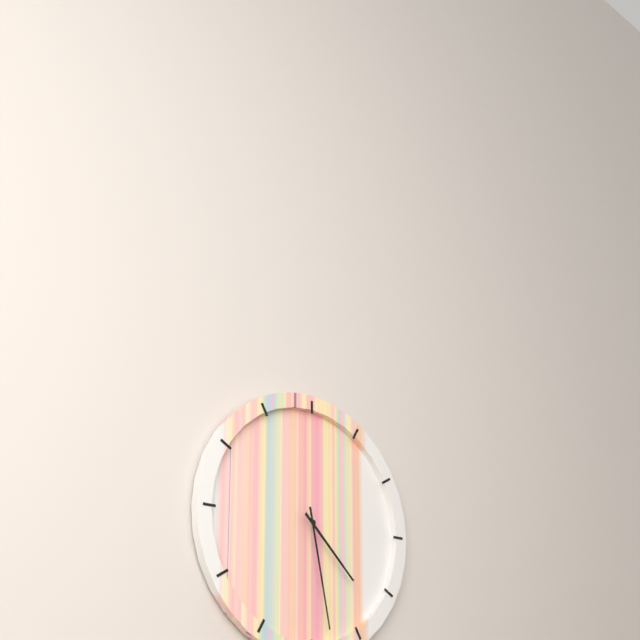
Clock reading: **4:28**
